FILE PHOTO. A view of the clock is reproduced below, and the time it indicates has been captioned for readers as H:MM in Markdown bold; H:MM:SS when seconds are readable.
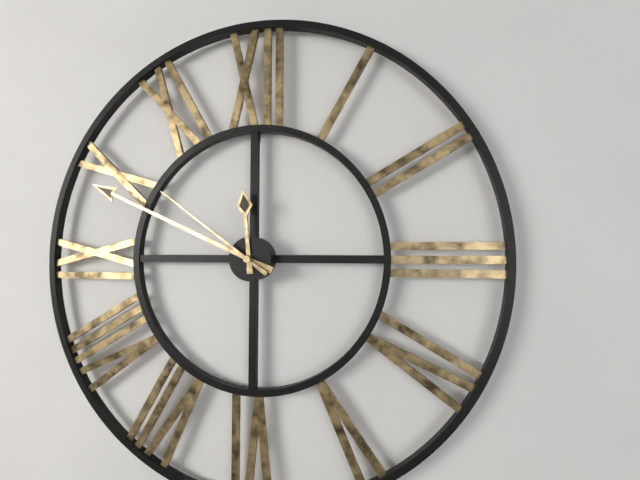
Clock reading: **11:49:51**
